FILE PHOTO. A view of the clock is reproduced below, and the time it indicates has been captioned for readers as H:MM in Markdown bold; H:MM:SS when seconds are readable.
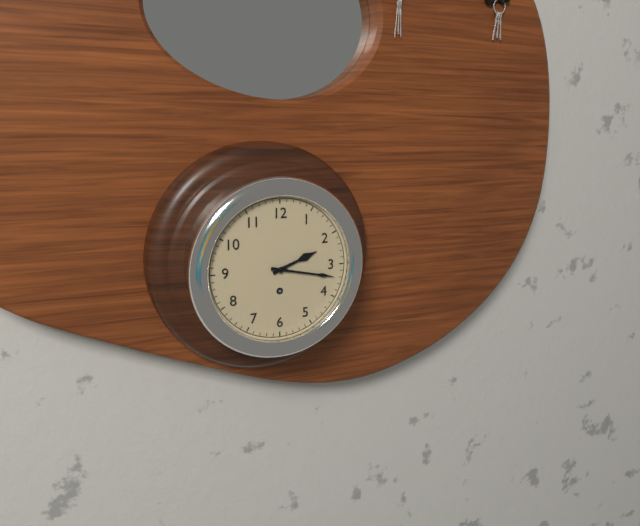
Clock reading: **2:17**
